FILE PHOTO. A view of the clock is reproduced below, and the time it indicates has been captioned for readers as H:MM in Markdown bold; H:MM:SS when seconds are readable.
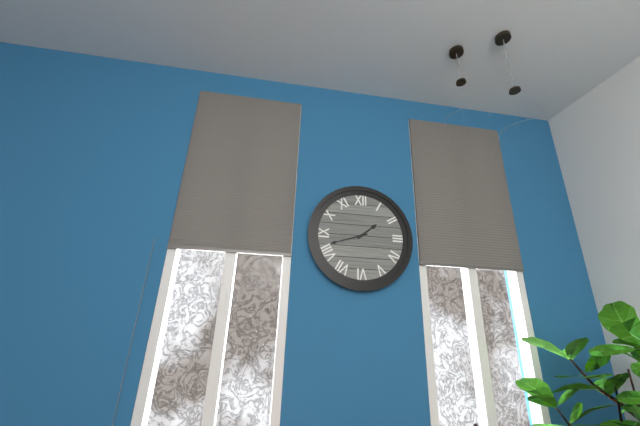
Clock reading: **1:42**
